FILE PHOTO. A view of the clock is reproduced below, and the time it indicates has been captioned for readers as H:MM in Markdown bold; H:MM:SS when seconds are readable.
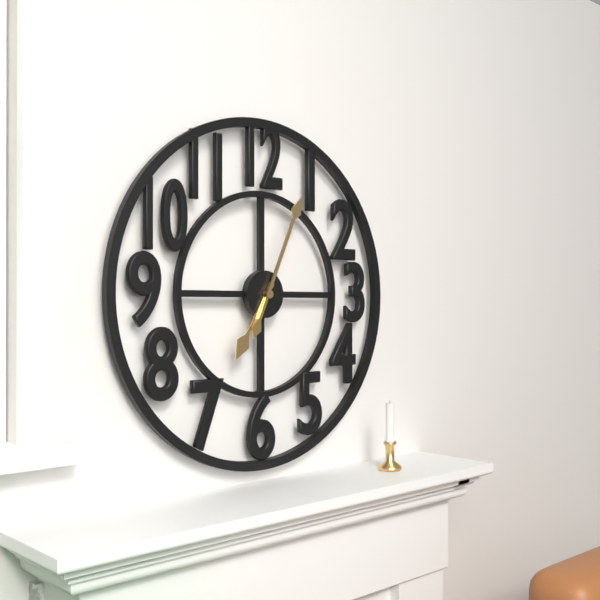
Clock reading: **7:04**
